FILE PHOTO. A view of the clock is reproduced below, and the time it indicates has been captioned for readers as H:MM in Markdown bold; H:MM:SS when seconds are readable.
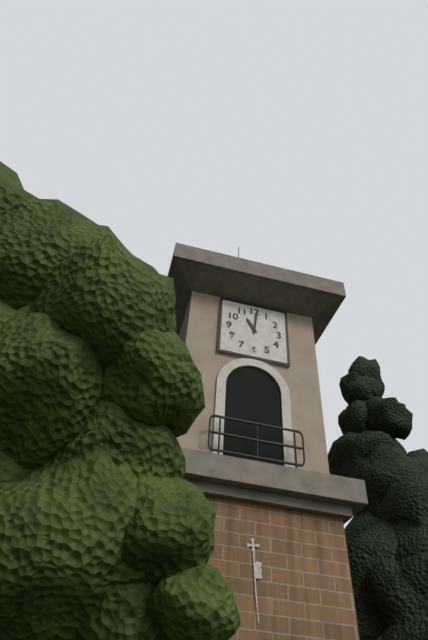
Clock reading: **11:01**
